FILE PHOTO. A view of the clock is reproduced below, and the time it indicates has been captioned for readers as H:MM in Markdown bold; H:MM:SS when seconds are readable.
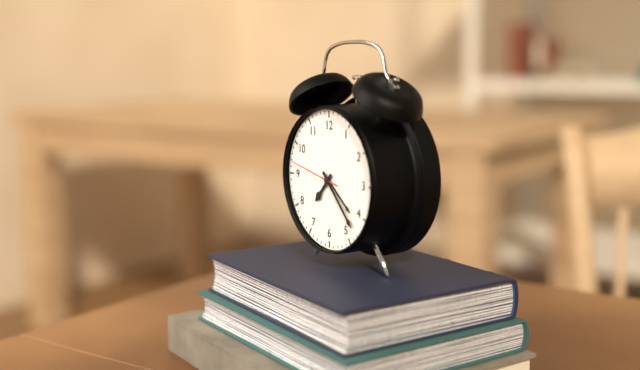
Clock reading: **7:23:47**
